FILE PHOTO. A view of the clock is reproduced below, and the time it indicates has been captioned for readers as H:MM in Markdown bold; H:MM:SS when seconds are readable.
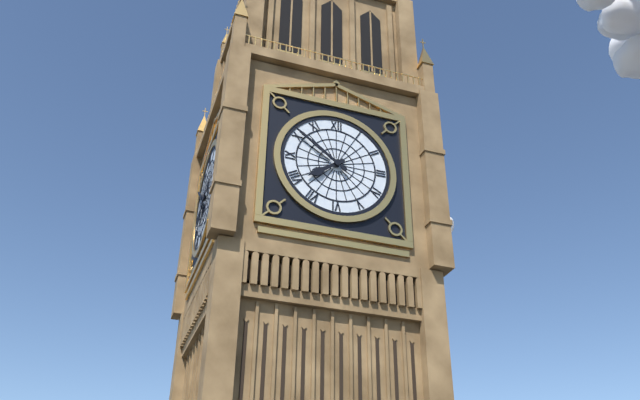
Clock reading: **7:51**
